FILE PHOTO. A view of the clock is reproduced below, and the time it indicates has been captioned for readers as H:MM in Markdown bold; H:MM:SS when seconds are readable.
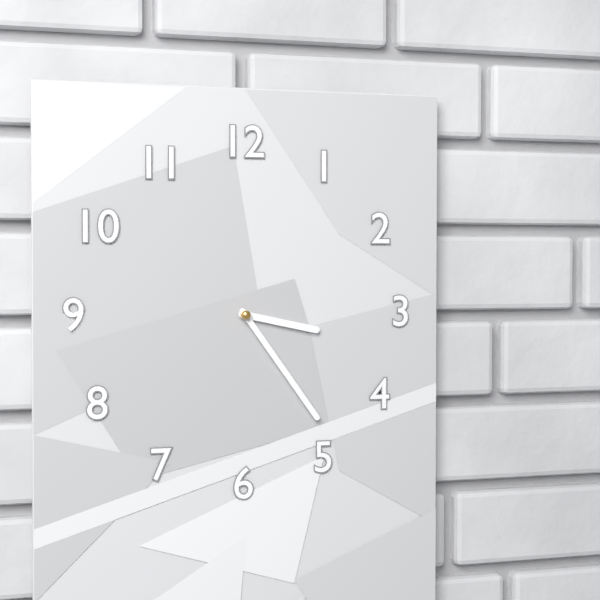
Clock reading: **3:24**
